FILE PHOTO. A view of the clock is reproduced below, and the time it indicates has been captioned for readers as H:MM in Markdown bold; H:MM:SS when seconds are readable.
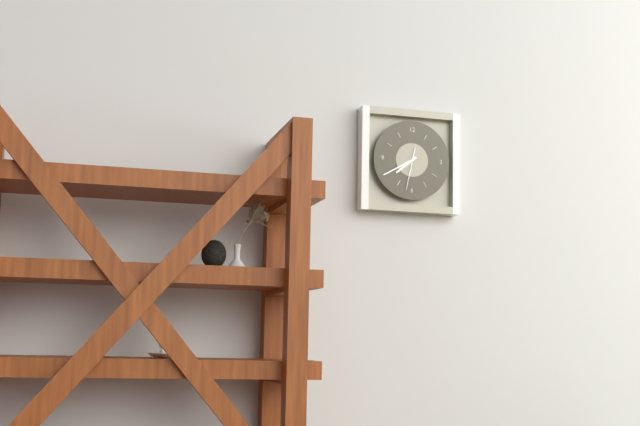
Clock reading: **7:40**
